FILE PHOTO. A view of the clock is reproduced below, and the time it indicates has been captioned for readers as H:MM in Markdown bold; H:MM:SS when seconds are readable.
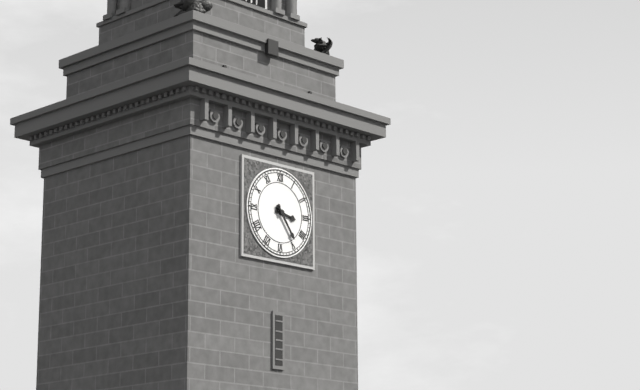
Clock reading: **3:24**
